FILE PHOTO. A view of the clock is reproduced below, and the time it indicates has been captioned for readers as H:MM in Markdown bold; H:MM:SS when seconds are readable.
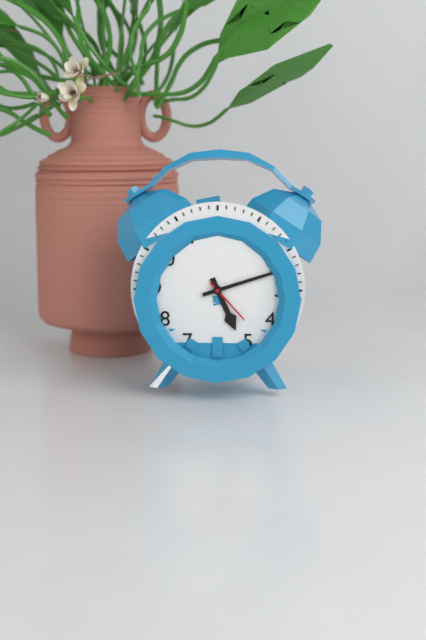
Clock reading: **5:12:23**
